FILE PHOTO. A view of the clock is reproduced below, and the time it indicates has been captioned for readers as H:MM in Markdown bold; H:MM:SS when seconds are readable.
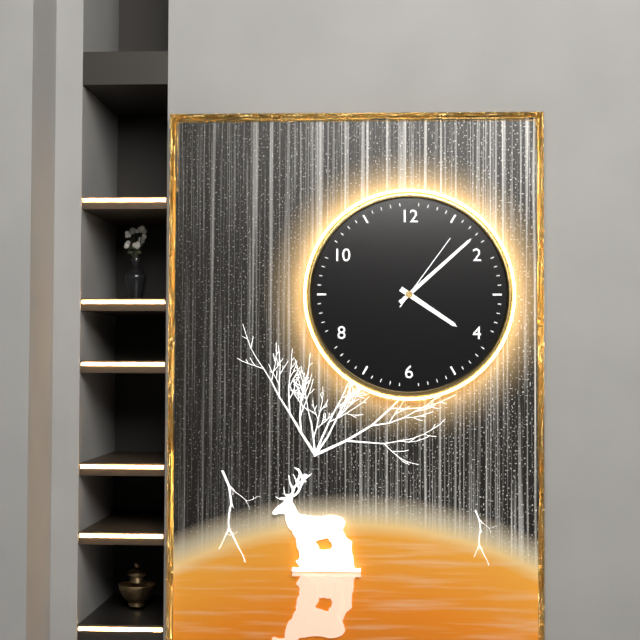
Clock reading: **4:08:06**
